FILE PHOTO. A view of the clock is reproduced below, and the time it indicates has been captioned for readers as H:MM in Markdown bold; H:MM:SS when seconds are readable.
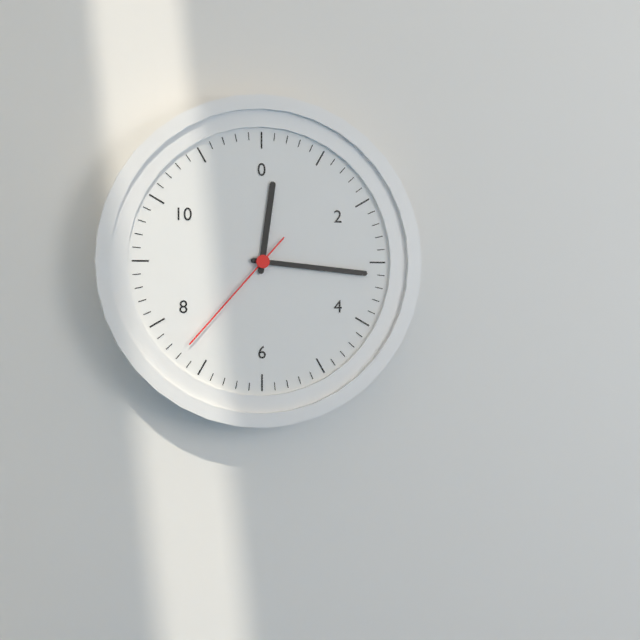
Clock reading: **12:16:37**
